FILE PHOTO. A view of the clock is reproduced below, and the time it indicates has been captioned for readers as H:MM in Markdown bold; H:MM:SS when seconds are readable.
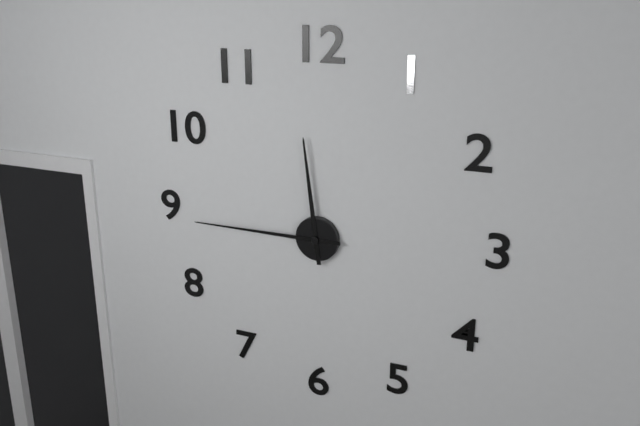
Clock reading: **11:45**
